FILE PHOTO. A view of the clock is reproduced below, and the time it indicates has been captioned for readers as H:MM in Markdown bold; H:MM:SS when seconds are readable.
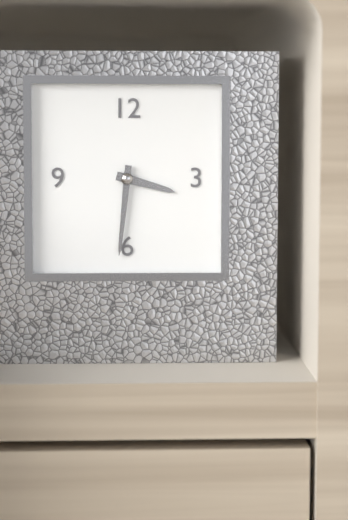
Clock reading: **3:31**
